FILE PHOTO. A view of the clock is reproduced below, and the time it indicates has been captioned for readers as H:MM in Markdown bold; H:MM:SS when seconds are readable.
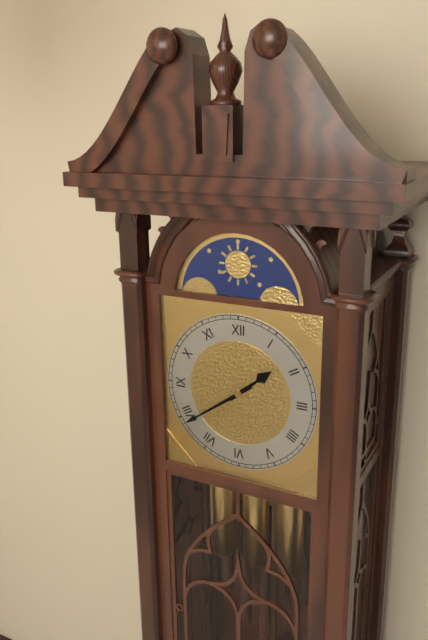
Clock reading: **1:39**
